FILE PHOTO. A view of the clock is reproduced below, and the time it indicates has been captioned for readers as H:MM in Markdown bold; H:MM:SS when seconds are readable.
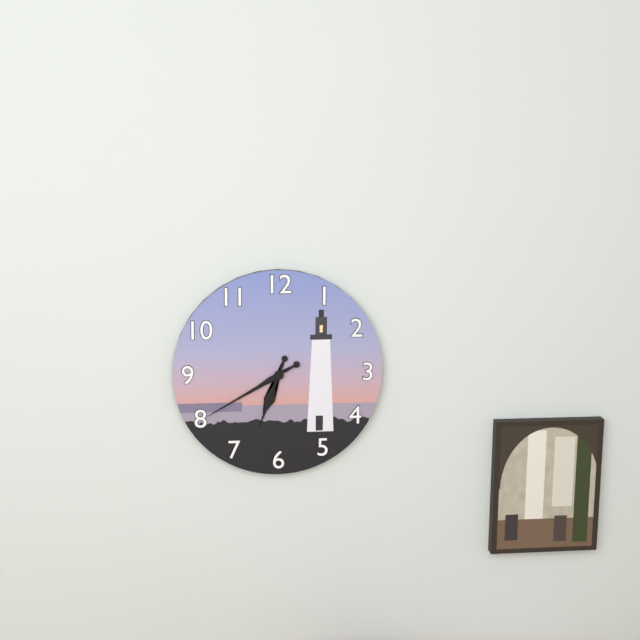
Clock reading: **6:40**
